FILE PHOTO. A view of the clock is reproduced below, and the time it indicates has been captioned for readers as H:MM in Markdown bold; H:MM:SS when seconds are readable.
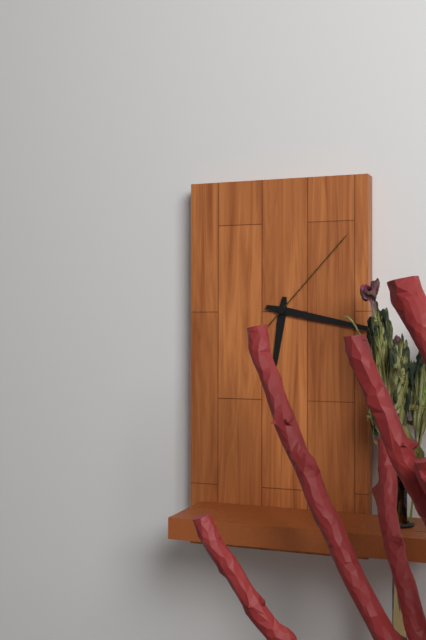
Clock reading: **6:17:07**
